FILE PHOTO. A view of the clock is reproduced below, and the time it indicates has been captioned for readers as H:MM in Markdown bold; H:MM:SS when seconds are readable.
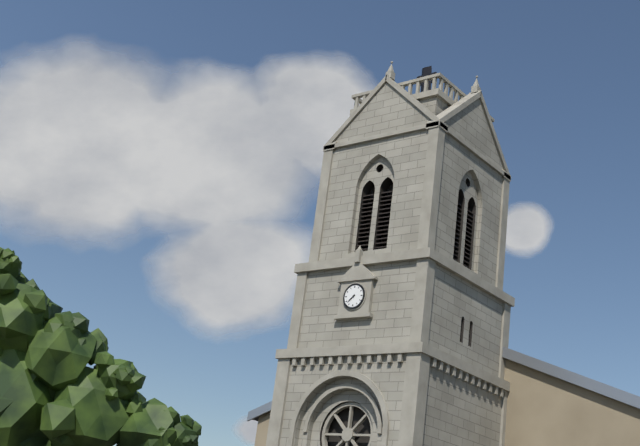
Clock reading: **7:38**
